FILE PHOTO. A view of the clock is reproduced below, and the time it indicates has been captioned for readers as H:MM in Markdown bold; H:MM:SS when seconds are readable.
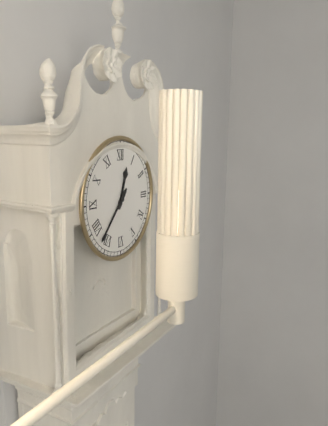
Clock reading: **12:37**
